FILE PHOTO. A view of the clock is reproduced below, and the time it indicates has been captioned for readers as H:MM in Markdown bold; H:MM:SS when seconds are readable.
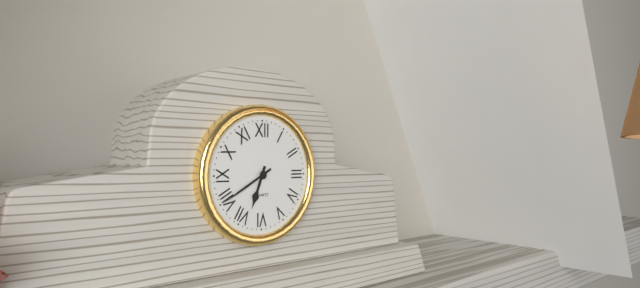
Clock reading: **6:40**
